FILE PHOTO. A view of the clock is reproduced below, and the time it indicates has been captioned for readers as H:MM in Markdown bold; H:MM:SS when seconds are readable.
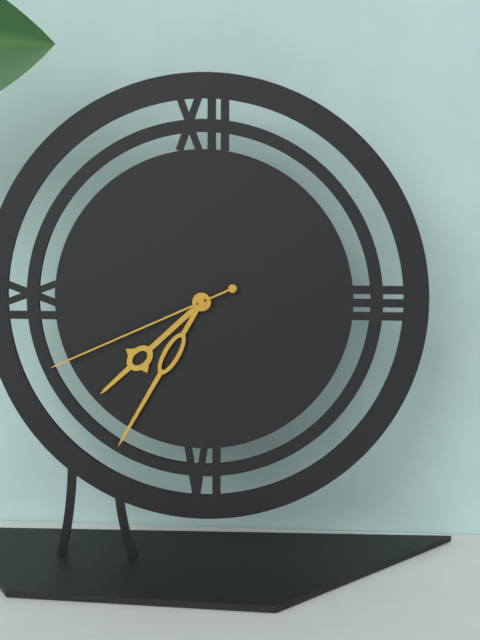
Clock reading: **7:35:41**
